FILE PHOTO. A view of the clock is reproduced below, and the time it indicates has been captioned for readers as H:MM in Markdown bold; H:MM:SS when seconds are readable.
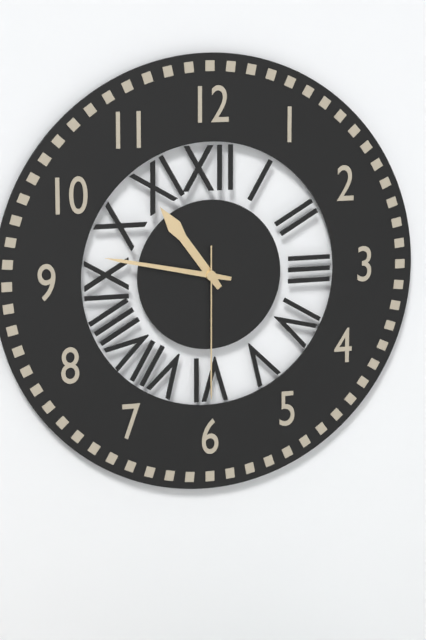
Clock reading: **10:47:30**
